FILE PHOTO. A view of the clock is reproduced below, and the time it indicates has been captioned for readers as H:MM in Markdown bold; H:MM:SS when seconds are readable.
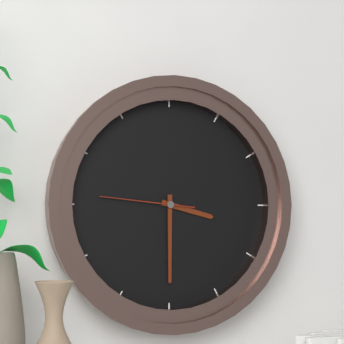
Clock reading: **3:30:46**
